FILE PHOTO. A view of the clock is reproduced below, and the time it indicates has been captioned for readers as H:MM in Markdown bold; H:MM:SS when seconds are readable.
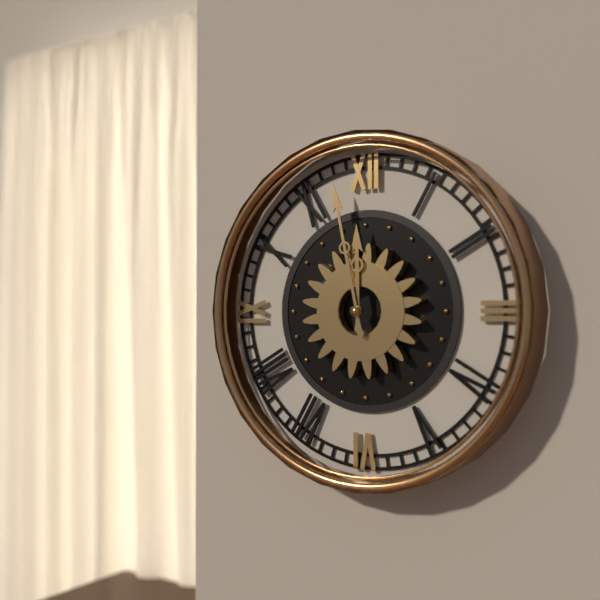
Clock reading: **11:58**
